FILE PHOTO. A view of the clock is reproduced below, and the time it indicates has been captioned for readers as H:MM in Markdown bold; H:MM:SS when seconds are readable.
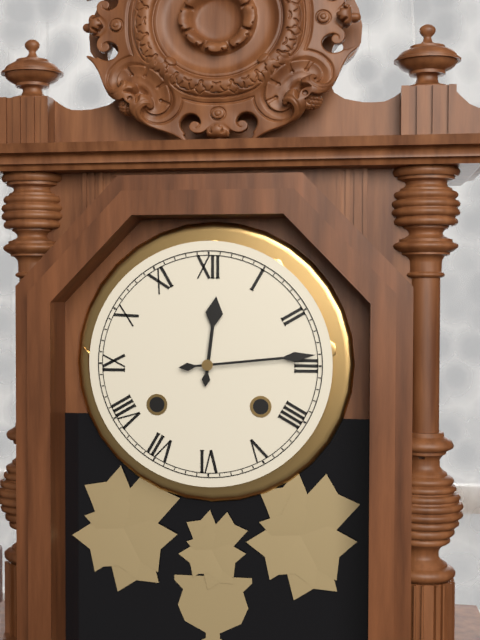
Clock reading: **12:14**
